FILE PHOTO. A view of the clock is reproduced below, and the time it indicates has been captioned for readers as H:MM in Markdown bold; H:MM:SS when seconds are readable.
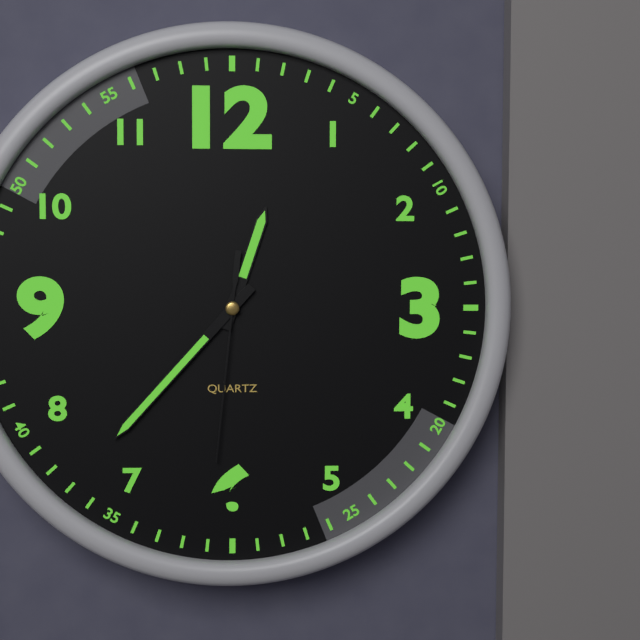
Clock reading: **12:37:31**
